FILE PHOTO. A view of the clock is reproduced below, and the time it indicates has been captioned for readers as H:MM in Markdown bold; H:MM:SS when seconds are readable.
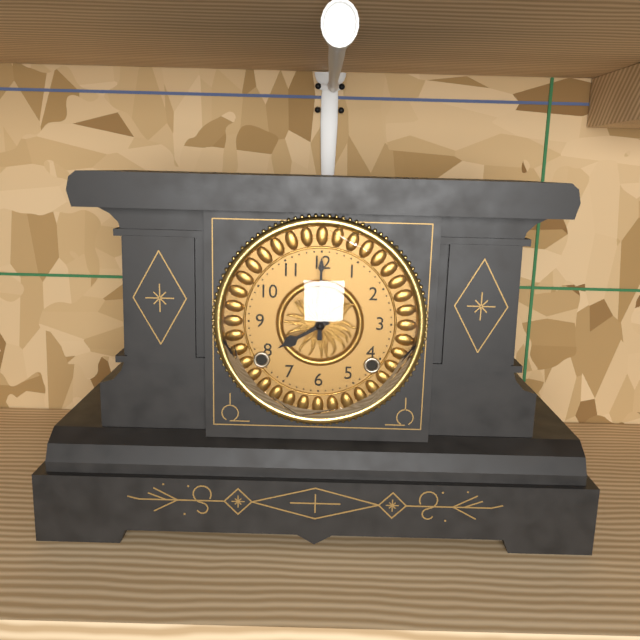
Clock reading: **8:00**
